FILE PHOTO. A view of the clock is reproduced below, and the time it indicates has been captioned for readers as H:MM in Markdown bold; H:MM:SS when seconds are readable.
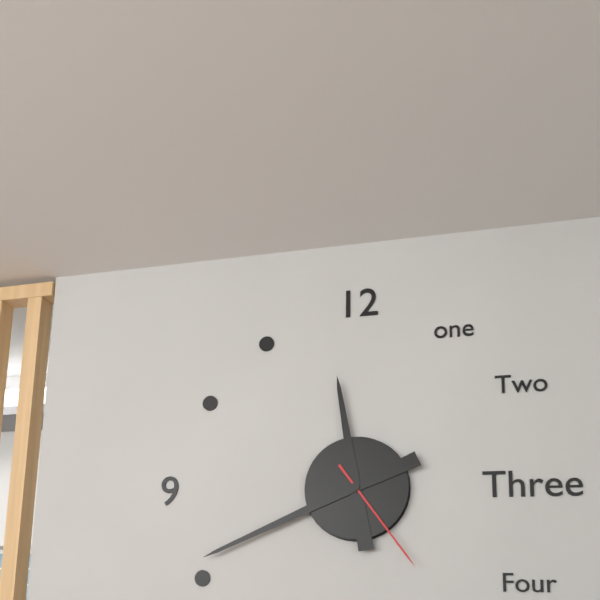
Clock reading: **11:41:24**
